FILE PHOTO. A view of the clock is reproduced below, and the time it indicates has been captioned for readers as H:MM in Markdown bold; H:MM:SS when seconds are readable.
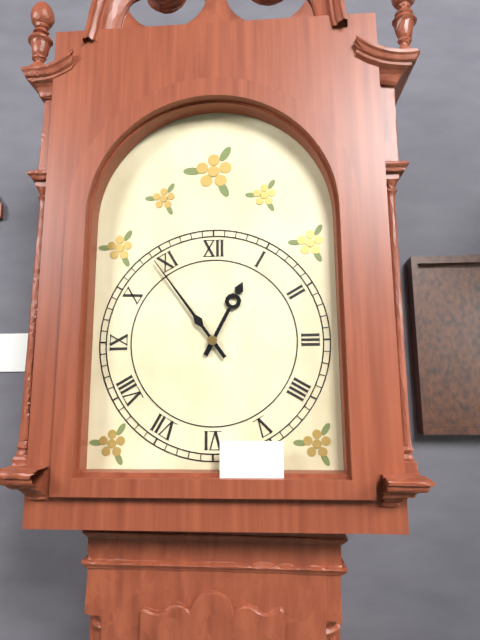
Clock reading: **12:54**
